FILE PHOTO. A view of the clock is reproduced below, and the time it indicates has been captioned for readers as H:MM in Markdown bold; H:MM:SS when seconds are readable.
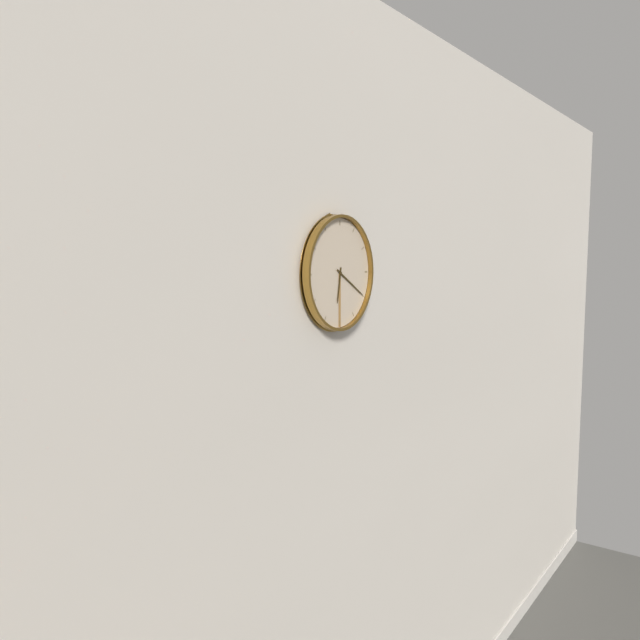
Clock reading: **6:20**
